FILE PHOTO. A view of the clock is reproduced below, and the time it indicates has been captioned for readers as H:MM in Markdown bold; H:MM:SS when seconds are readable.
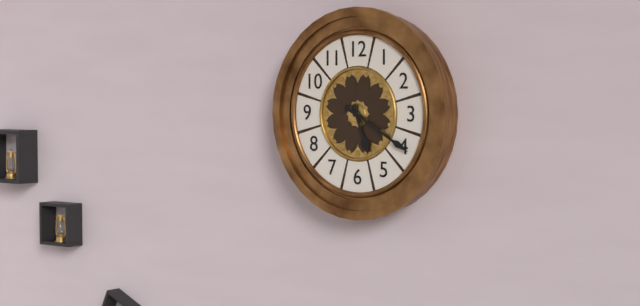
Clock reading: **5:20**
